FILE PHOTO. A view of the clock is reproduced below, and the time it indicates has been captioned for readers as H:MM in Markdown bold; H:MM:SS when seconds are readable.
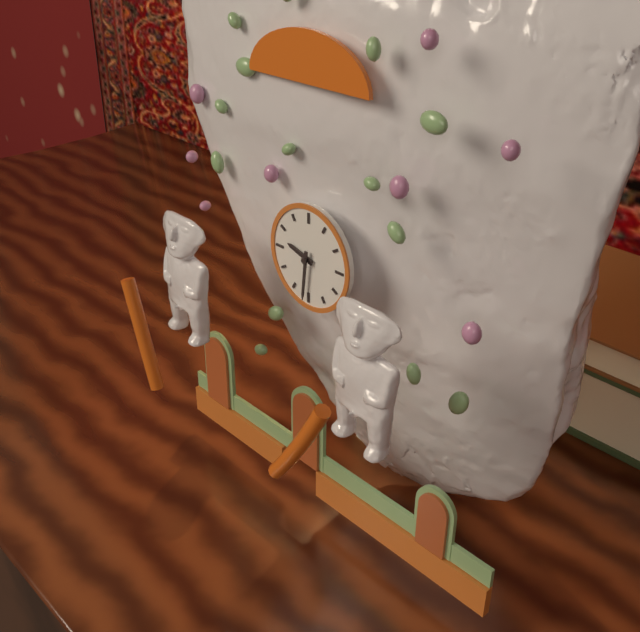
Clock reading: **9:31**
